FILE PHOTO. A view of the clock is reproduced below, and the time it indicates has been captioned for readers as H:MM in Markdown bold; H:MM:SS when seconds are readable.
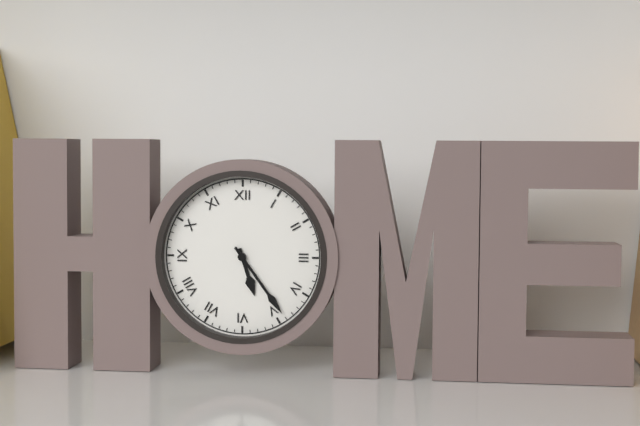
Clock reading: **5:24**
